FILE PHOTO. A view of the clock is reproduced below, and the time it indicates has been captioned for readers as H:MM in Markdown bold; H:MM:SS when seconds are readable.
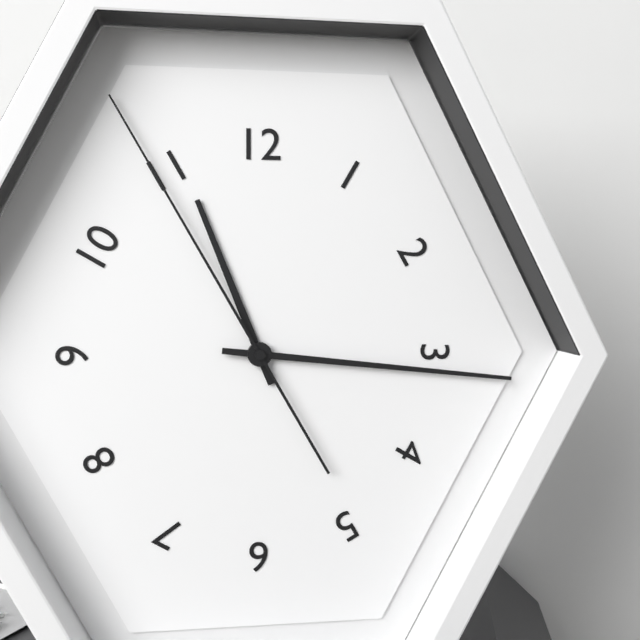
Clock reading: **11:16:55**
